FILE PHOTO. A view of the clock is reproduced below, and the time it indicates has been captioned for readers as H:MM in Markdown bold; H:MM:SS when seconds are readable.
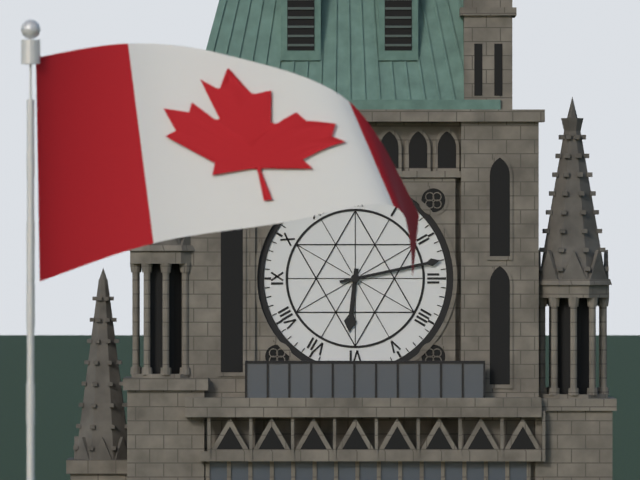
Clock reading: **6:13**
